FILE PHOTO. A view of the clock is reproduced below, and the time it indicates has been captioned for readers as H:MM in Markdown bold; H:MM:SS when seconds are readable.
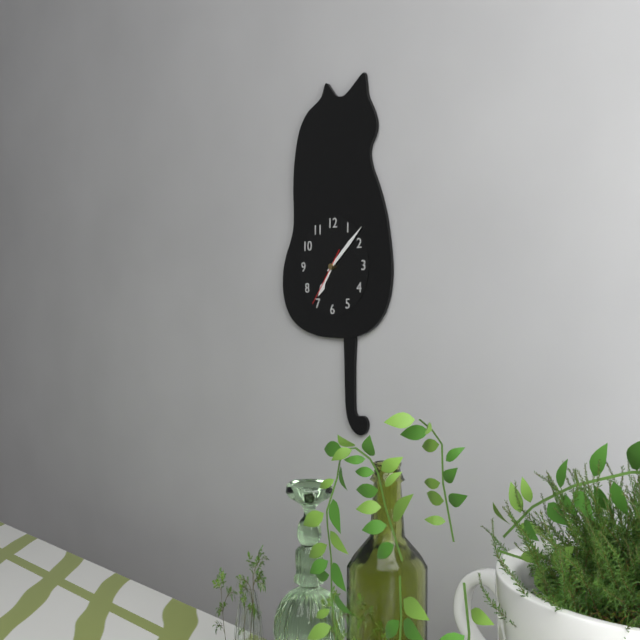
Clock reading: **7:08:36**
